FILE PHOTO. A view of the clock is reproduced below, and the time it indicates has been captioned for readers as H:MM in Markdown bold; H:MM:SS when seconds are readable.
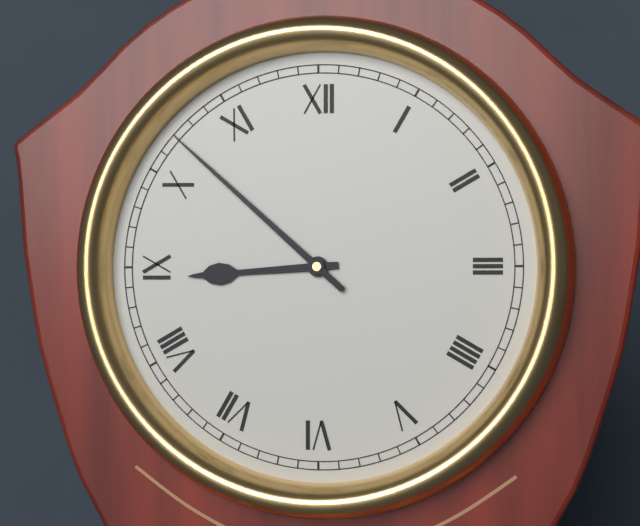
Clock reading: **8:52**
